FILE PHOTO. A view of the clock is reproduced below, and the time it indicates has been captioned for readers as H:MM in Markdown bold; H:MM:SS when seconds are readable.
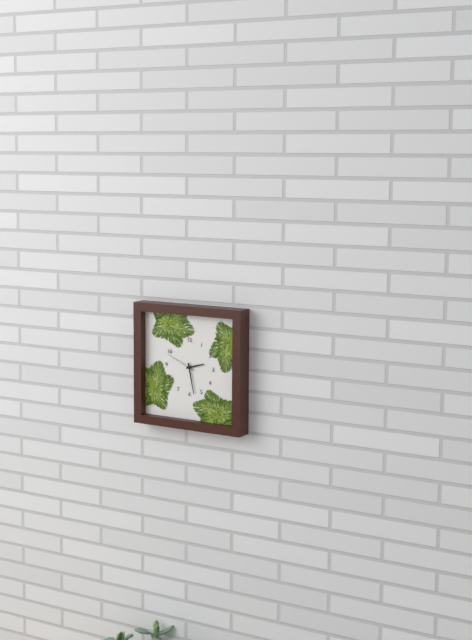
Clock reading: **2:28**
